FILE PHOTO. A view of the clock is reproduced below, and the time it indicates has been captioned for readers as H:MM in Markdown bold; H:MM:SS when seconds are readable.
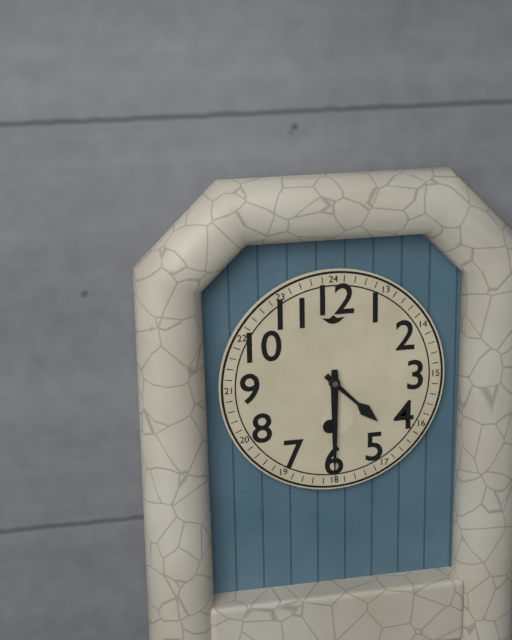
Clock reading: **4:30**
